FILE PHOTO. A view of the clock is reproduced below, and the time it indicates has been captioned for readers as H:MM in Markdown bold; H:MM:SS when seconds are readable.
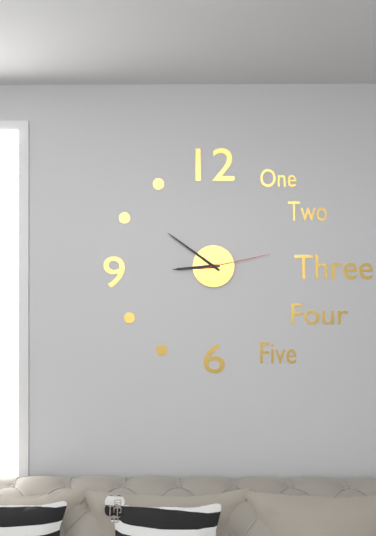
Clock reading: **8:51:13**
